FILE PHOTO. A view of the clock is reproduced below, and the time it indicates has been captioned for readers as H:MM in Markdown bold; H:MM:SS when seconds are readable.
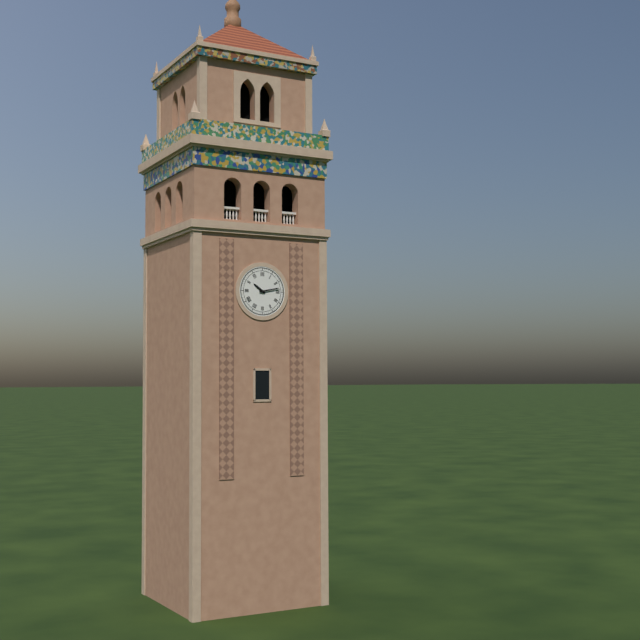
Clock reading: **10:13**
